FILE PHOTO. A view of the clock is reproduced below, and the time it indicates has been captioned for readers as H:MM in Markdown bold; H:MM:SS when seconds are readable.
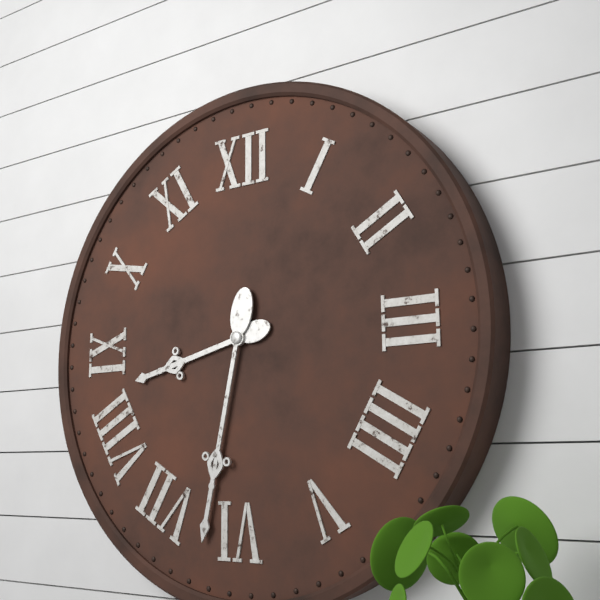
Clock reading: **8:32**
